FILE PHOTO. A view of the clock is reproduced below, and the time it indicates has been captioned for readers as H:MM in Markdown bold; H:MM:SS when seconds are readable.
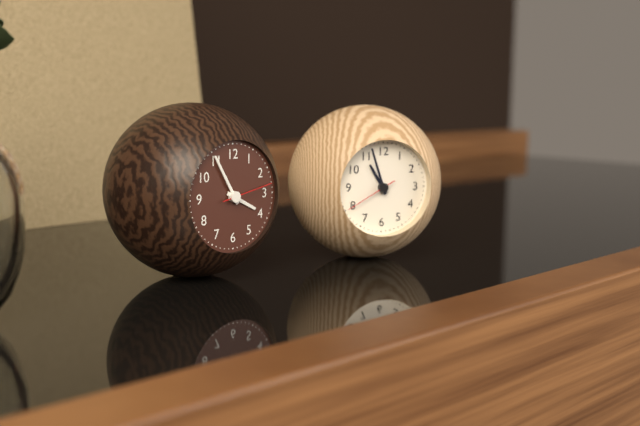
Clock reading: **3:55**
